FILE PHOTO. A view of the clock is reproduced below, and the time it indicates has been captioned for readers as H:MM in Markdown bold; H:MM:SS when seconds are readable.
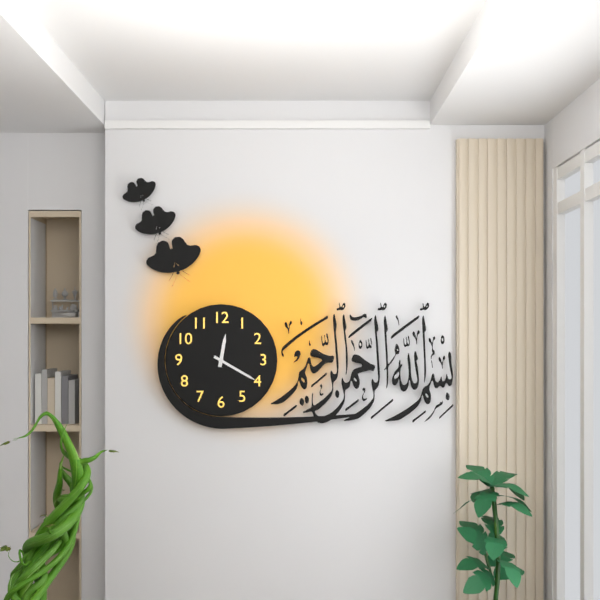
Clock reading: **12:20**
